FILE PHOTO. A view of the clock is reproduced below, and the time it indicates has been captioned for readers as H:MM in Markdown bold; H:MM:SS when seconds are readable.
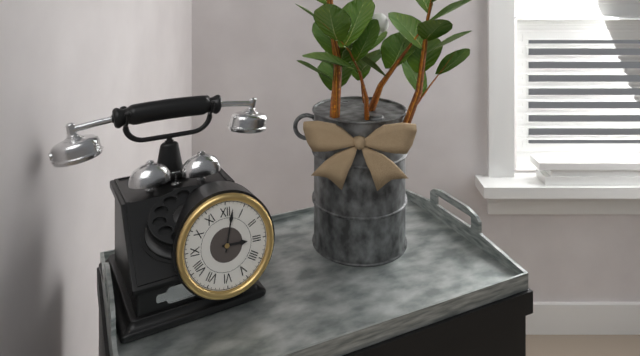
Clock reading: **3:02**
